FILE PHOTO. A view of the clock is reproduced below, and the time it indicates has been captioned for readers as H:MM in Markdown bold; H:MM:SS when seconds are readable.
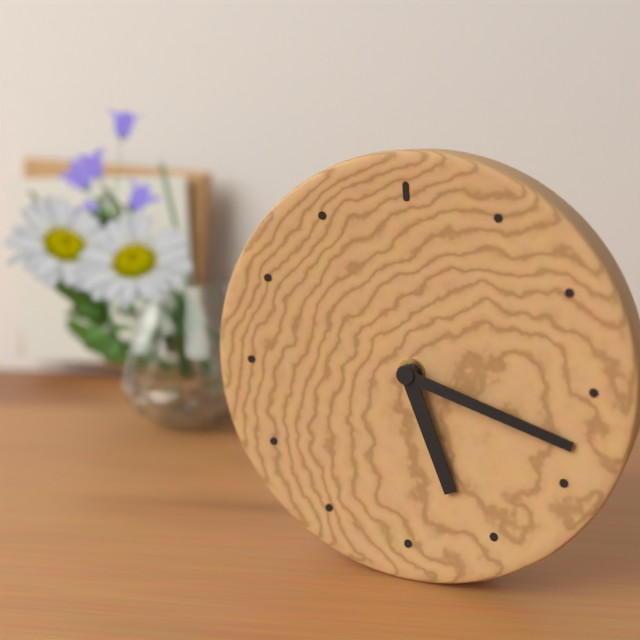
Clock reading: **5:18**
